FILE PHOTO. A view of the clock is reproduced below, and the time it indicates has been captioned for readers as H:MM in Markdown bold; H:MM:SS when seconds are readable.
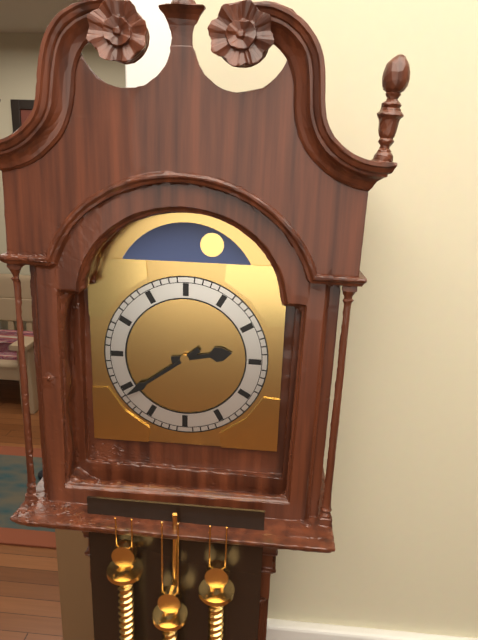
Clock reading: **2:39**
